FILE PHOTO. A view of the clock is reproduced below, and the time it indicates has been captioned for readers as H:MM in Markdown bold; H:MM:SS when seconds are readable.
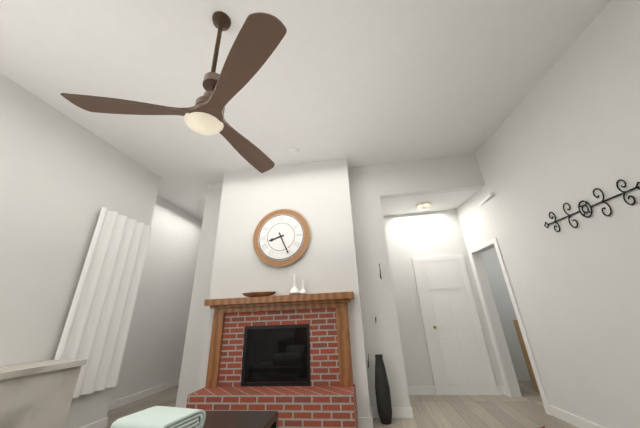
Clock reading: **8:26**
